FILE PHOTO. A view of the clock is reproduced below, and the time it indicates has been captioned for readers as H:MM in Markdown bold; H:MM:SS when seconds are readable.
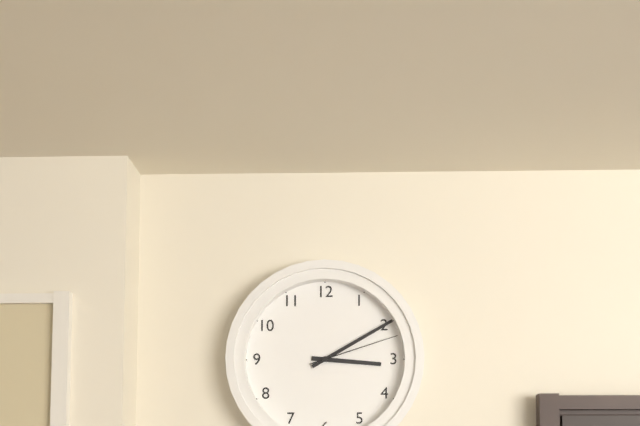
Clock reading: **3:10:12**
